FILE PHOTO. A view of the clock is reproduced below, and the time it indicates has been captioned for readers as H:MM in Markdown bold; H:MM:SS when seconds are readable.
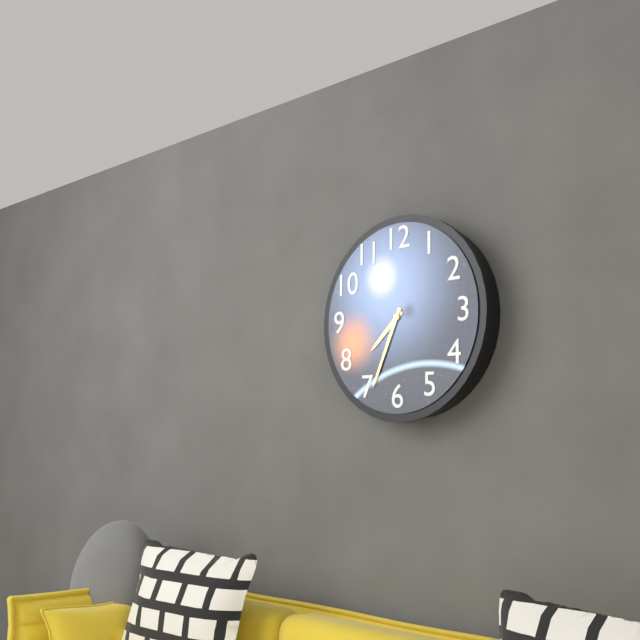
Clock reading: **7:34**
